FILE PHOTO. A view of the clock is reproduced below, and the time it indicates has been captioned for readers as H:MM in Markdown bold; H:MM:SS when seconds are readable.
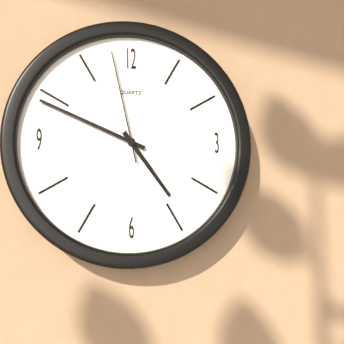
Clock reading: **4:49:58**
